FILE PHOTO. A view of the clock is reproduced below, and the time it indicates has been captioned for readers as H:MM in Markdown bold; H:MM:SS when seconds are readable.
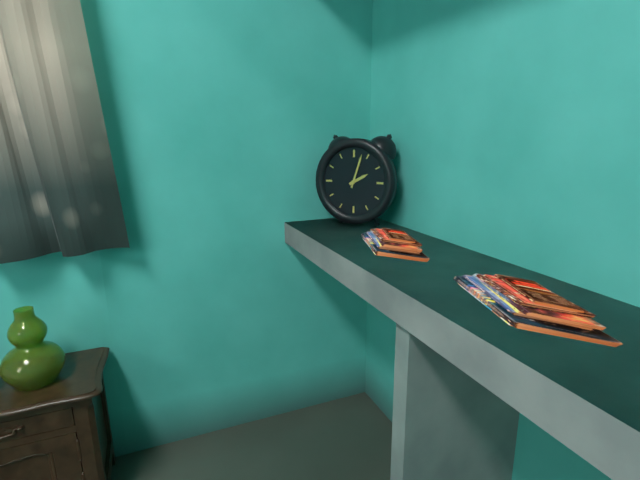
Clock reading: **2:03**
